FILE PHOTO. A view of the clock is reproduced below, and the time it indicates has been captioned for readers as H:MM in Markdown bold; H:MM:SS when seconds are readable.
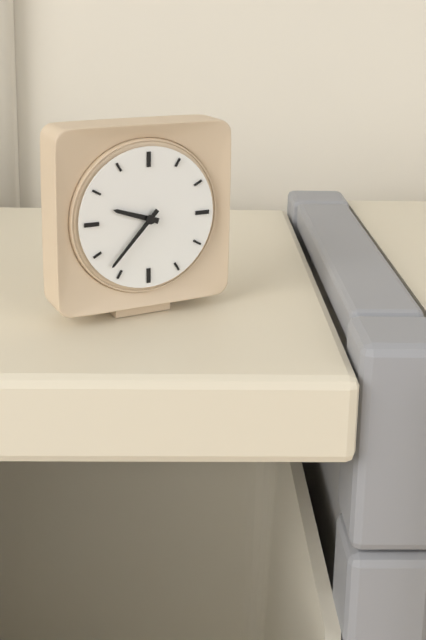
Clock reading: **9:37**
